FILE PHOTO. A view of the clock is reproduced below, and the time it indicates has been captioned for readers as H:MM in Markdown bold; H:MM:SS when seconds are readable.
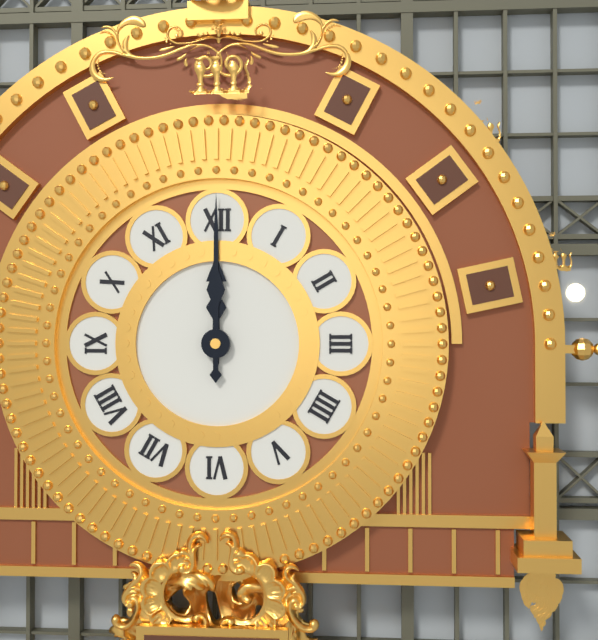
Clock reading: **12:00**
